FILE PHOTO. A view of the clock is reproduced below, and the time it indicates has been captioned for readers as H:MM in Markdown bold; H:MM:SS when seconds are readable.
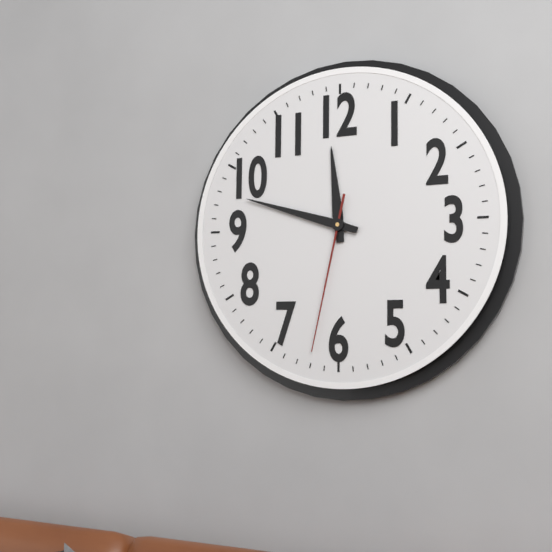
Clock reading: **11:48:32**
